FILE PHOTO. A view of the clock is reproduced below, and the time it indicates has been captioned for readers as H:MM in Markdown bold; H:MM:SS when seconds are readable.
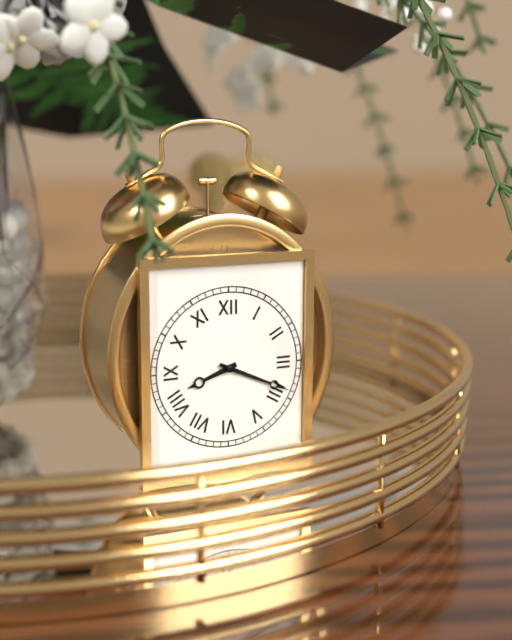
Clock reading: **8:19**
